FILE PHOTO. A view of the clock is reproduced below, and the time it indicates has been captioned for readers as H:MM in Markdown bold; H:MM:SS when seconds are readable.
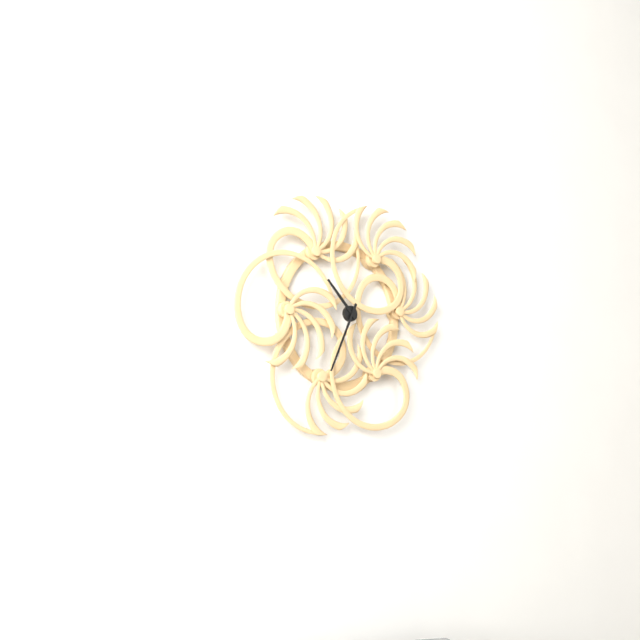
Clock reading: **10:34**
